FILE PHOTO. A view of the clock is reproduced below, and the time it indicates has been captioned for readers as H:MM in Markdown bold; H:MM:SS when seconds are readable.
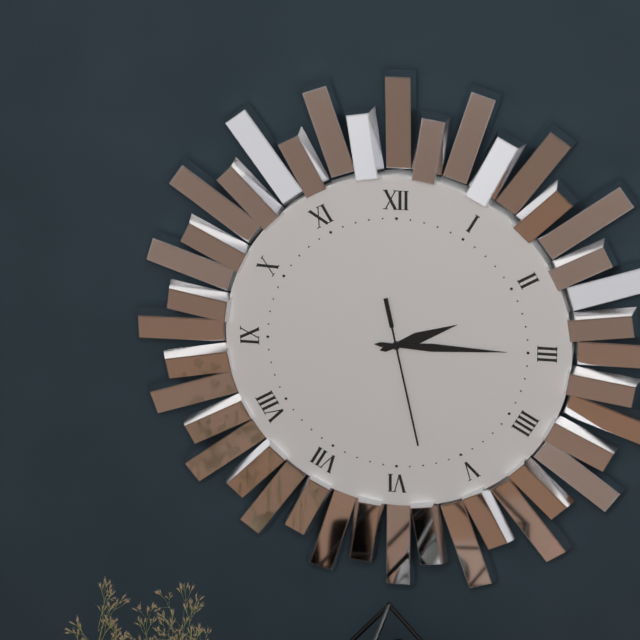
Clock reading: **2:15:28**
